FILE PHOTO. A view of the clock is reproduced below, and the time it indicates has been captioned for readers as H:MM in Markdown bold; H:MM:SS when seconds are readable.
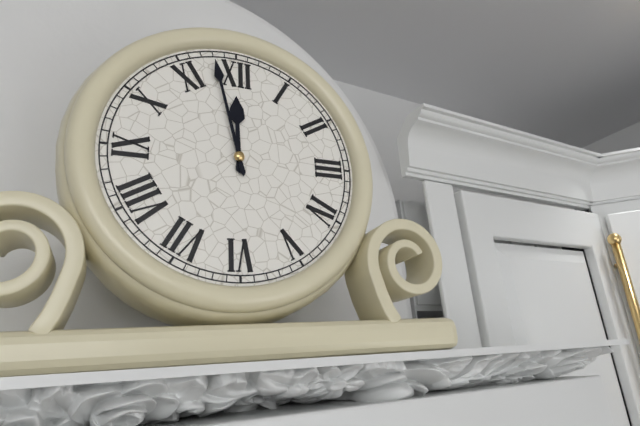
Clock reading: **11:58**
